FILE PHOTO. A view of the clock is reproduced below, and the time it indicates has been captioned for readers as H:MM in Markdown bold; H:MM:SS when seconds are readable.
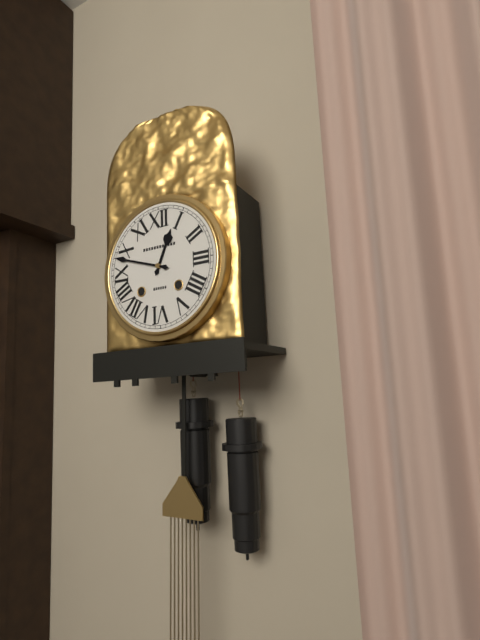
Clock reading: **12:48**
